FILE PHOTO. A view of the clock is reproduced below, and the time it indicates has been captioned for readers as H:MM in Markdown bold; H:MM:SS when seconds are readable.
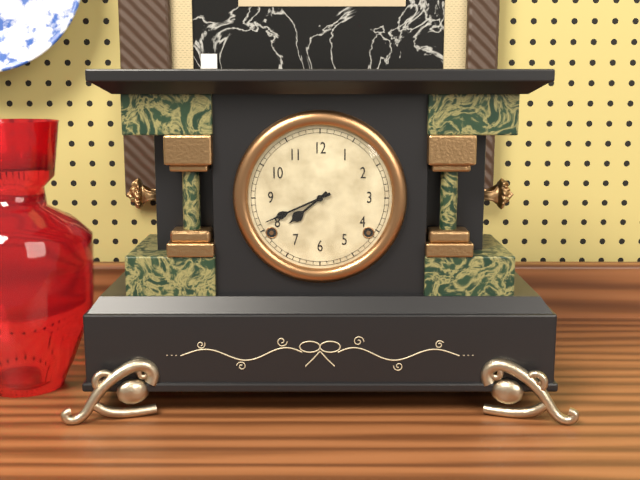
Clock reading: **7:41**
